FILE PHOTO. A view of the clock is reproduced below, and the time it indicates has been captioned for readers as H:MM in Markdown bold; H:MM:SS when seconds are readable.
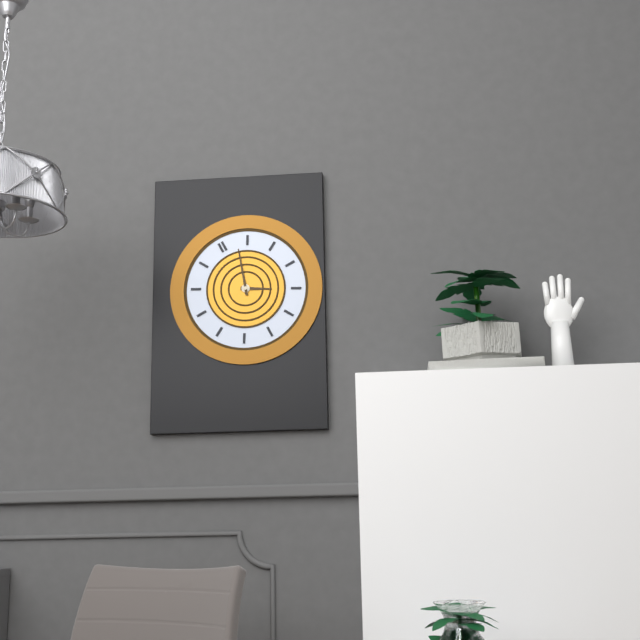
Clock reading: **4:03**
